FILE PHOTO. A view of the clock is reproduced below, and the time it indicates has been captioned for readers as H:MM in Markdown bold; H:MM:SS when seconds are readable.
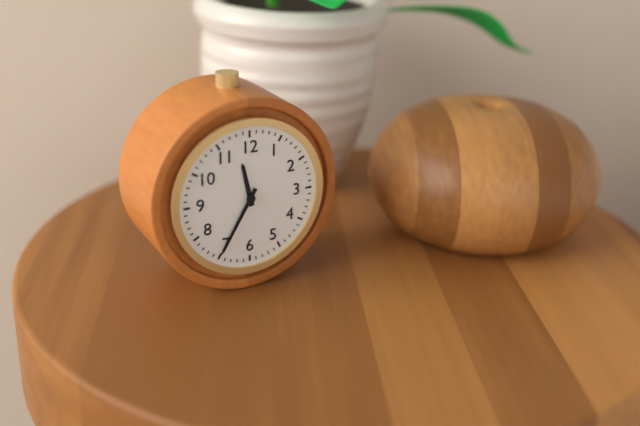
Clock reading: **11:35**
